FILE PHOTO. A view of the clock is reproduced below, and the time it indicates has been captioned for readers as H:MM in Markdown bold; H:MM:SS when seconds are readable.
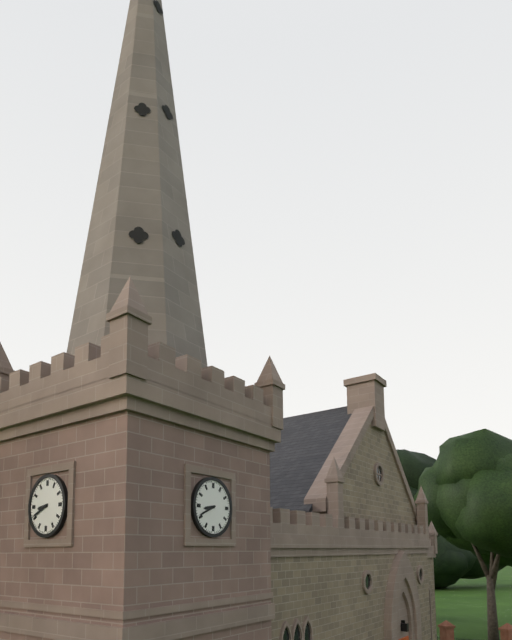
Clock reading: **8:41**
